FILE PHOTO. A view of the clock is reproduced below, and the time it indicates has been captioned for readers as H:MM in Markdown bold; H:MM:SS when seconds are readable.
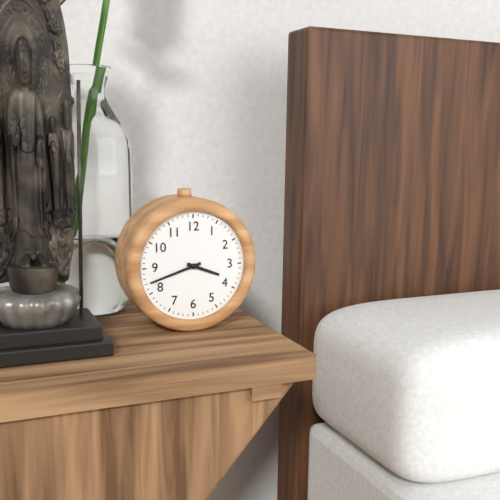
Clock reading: **3:42**
